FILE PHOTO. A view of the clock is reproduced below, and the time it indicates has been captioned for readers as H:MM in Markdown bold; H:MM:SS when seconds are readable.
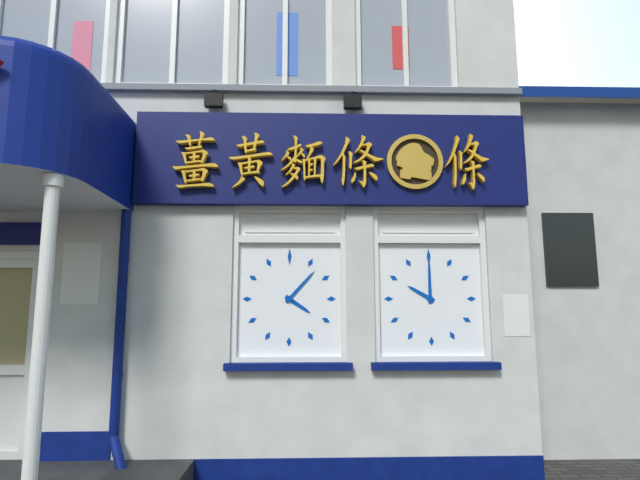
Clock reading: **4:07**
